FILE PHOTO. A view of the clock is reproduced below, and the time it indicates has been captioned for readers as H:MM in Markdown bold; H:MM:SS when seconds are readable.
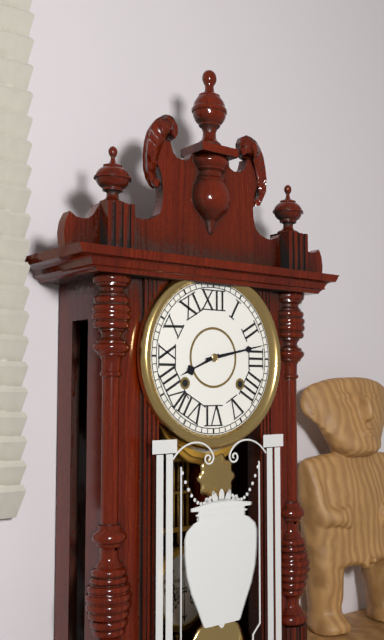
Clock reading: **8:13**
